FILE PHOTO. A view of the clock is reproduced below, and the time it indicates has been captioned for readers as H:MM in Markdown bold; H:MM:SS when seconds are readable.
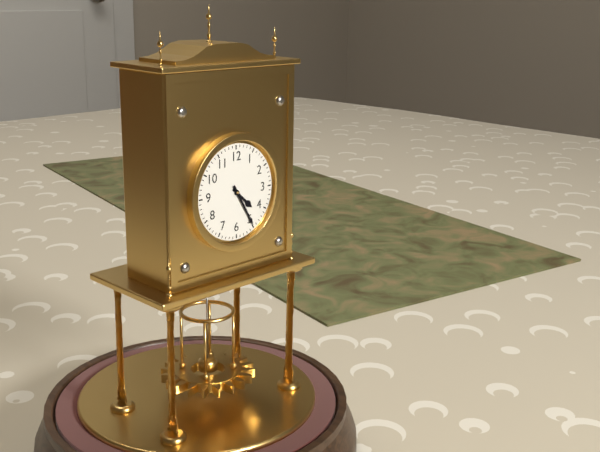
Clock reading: **4:25**
